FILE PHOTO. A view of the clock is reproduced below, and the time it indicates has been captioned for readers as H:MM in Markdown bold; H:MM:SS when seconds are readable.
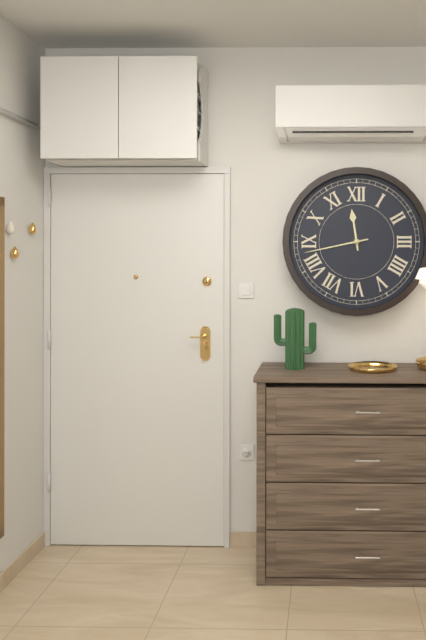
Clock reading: **11:43**
